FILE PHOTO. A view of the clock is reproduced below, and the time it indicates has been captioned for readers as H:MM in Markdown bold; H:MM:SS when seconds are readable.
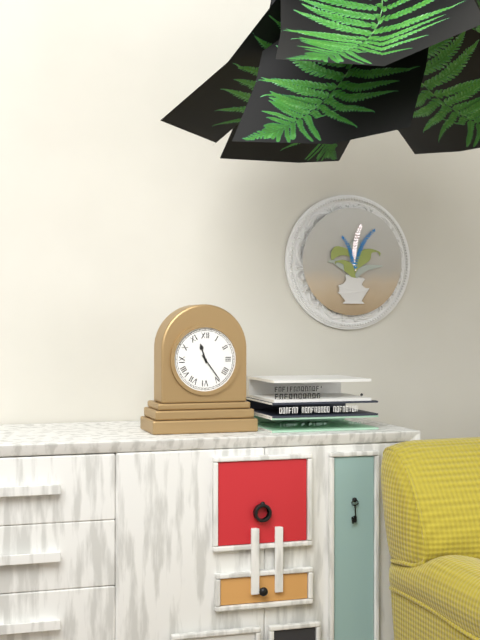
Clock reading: **11:24**
